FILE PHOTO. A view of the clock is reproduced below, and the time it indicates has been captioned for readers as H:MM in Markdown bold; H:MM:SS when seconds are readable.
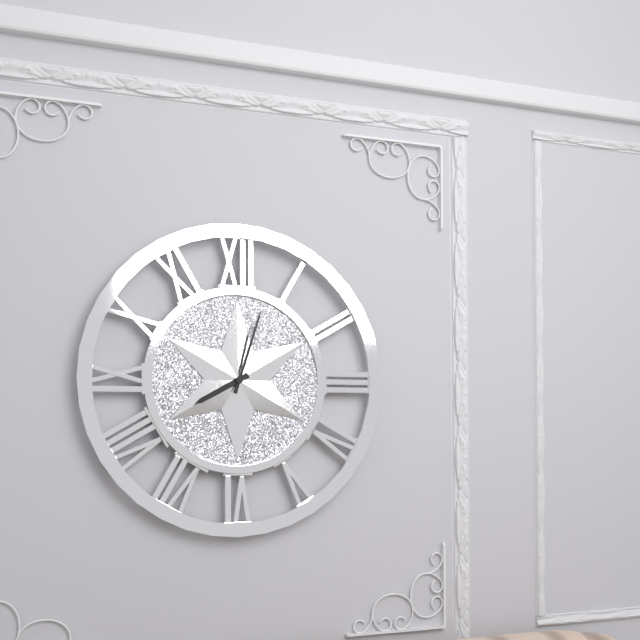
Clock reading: **8:03**
